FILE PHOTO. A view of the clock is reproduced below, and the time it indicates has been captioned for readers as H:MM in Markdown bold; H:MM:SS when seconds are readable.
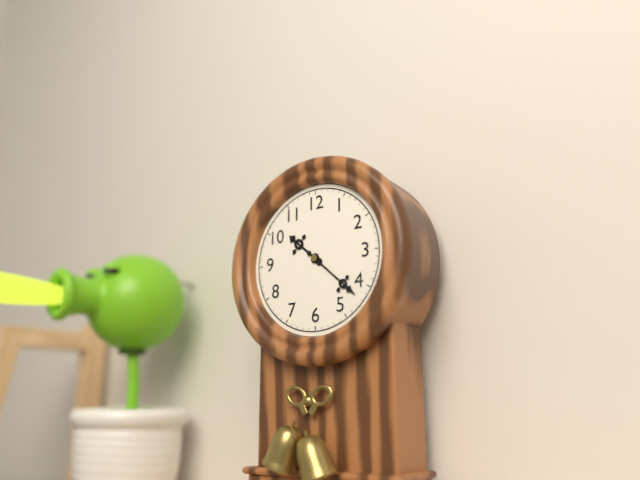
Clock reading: **10:22**
